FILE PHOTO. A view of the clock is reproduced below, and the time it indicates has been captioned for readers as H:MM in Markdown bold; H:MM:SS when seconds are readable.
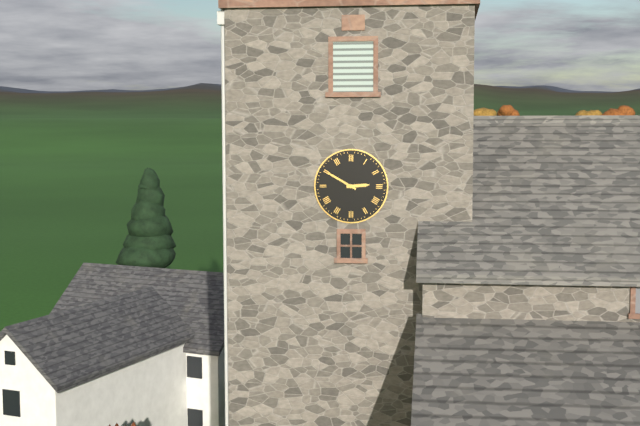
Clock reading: **2:50**
